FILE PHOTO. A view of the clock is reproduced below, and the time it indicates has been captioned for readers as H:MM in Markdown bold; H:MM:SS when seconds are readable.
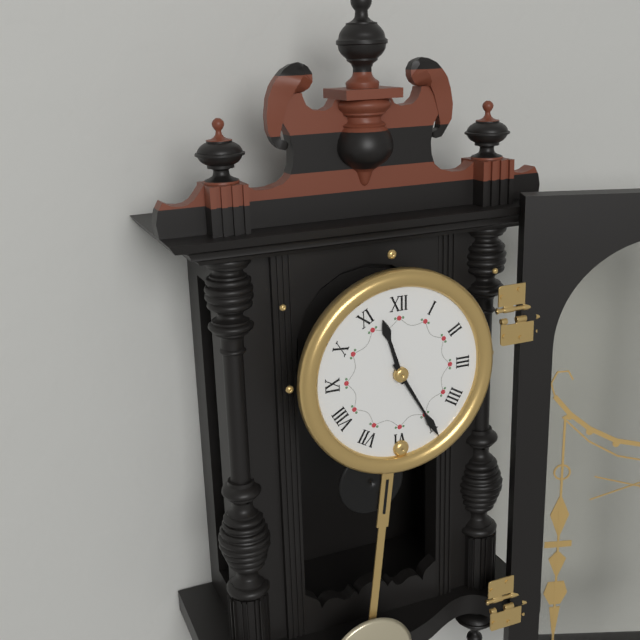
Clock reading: **11:25**
